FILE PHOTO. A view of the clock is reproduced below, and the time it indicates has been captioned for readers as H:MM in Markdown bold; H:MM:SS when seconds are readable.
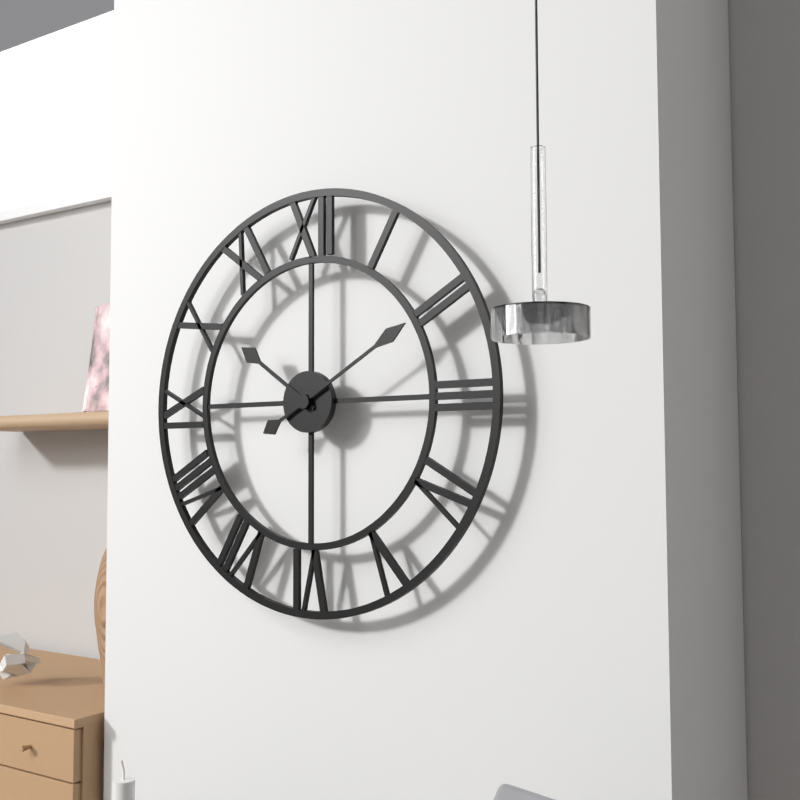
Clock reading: **10:10**
